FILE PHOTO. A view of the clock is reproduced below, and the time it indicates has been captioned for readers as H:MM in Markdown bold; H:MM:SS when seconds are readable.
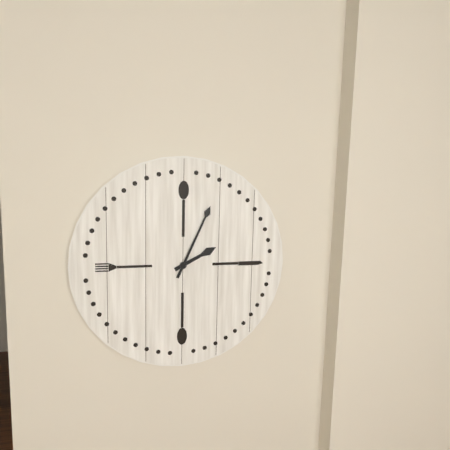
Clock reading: **2:04**
